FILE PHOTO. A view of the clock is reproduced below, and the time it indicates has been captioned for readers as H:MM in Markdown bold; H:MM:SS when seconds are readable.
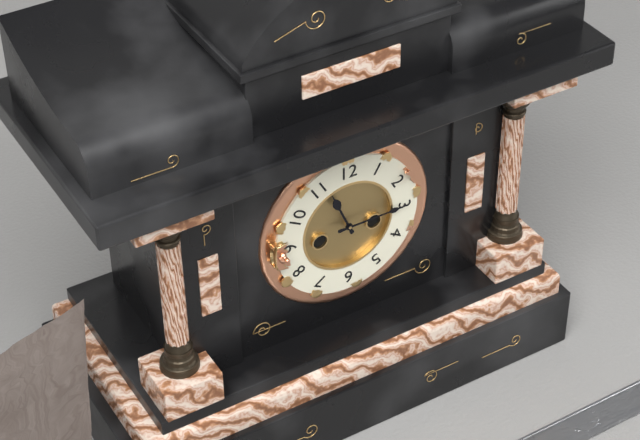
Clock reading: **11:15**
